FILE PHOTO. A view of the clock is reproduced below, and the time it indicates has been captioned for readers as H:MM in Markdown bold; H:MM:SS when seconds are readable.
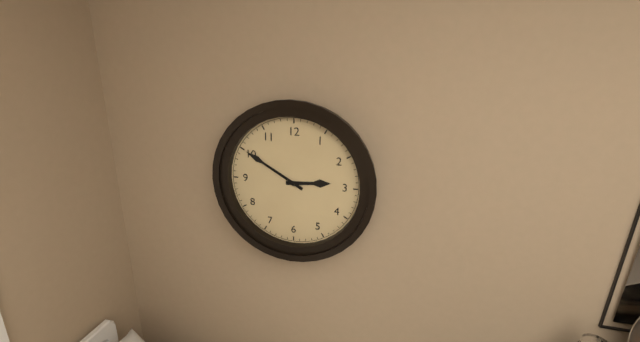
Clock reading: **2:50**
